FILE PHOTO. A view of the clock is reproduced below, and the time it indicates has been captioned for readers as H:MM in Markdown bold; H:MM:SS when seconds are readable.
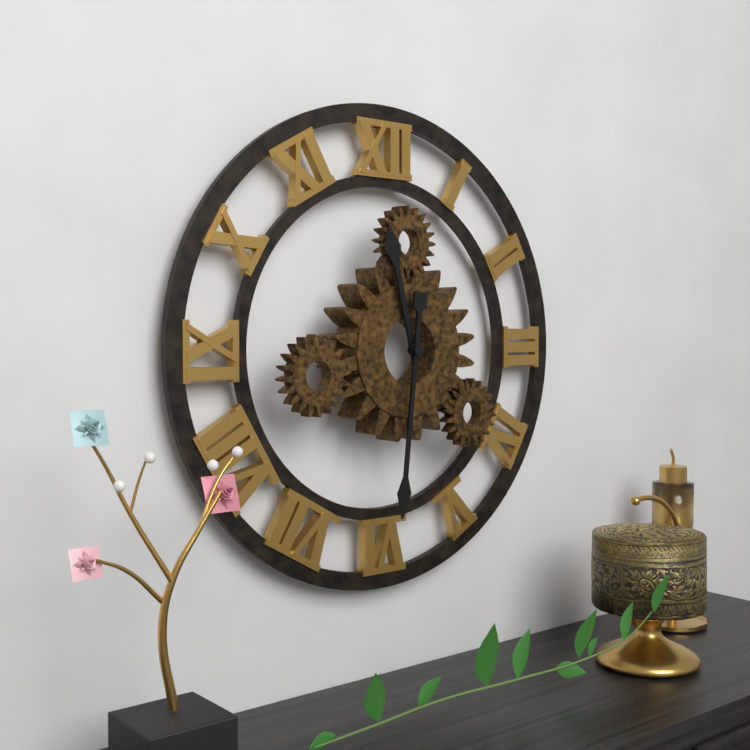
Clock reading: **11:31**
